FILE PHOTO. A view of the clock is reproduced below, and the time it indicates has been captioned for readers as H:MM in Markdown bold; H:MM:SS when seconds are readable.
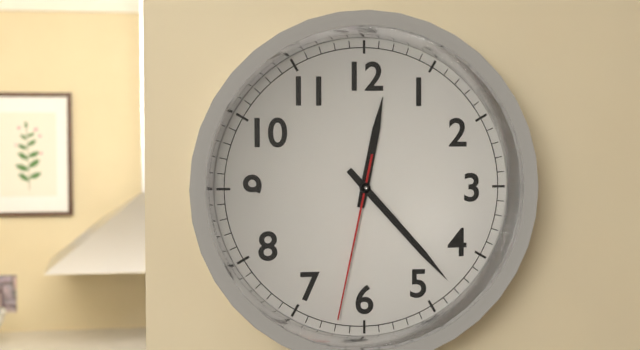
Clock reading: **12:23:32**
